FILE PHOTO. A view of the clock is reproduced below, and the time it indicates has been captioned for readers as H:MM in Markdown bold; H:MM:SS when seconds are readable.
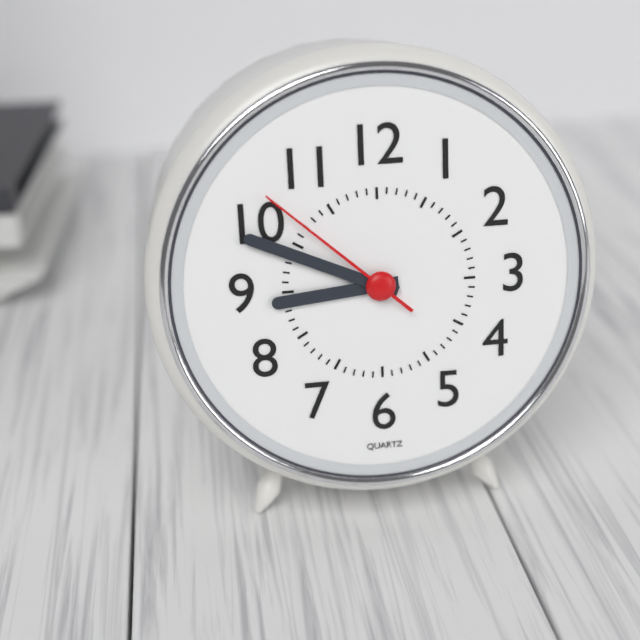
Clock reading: **8:49:52**
